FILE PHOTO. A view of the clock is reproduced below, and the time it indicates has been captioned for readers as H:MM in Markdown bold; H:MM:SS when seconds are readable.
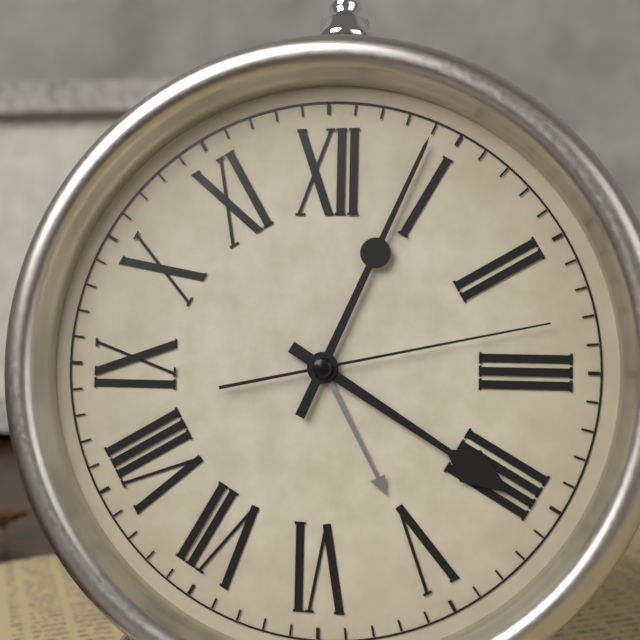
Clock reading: **4:04:13**
